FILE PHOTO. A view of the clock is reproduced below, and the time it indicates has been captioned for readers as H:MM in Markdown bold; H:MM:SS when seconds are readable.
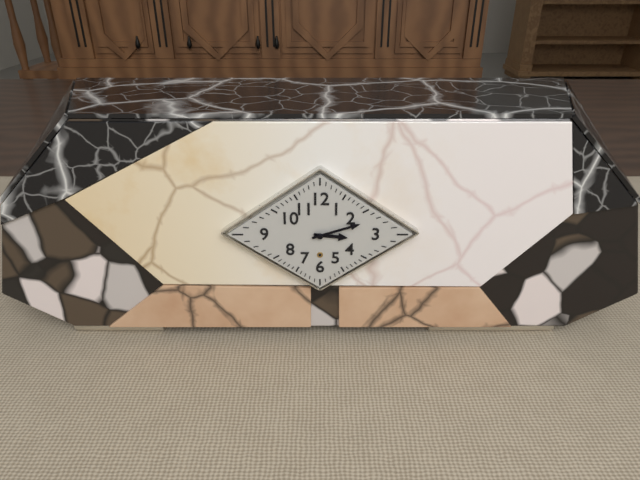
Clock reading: **3:12**
